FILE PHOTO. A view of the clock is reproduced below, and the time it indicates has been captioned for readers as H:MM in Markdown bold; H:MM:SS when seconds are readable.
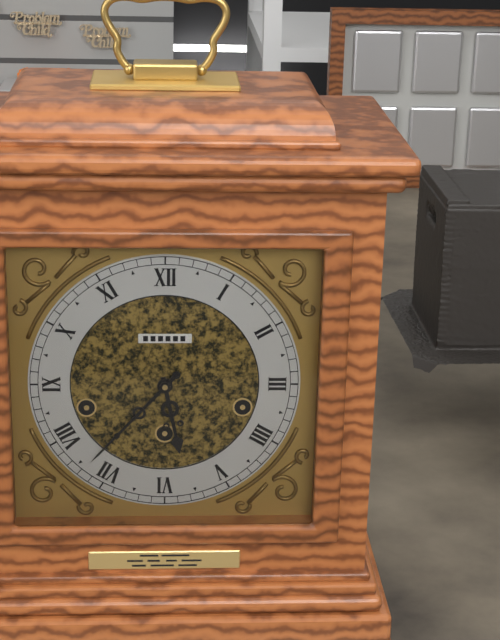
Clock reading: **5:37**
